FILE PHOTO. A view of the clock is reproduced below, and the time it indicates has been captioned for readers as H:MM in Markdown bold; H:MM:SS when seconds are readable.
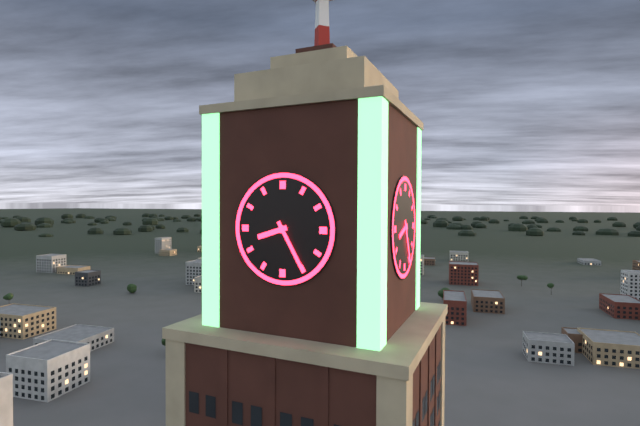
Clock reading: **8:25**
